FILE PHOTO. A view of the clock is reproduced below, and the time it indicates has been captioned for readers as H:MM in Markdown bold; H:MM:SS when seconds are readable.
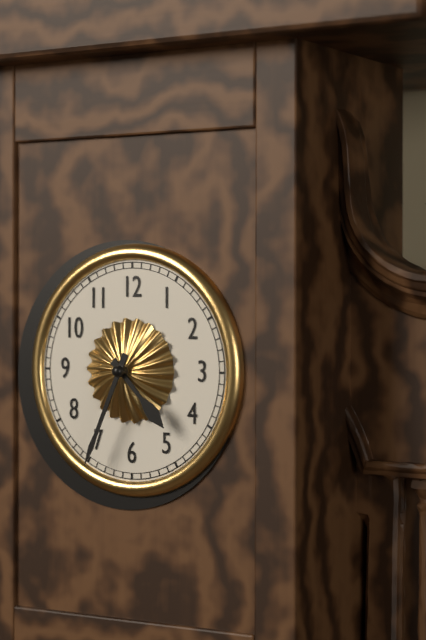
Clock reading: **4:34**
